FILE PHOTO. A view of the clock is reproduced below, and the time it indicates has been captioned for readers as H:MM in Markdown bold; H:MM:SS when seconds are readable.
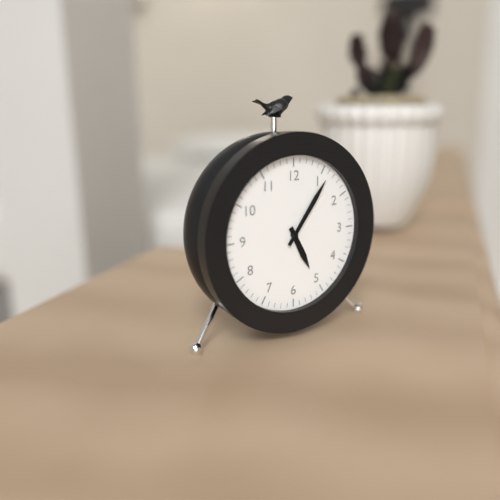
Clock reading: **5:06**
